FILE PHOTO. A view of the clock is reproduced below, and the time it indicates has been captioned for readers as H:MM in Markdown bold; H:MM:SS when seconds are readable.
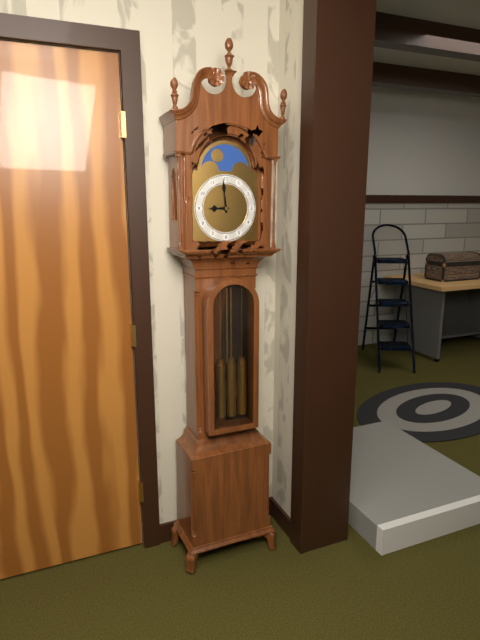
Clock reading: **8:59**
